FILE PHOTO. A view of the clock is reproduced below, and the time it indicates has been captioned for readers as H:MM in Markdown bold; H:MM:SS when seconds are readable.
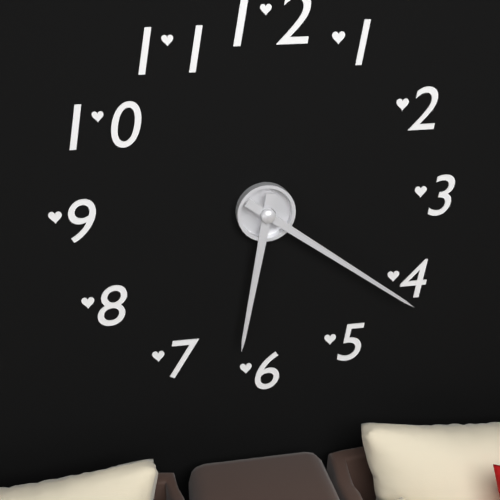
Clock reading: **6:21**
